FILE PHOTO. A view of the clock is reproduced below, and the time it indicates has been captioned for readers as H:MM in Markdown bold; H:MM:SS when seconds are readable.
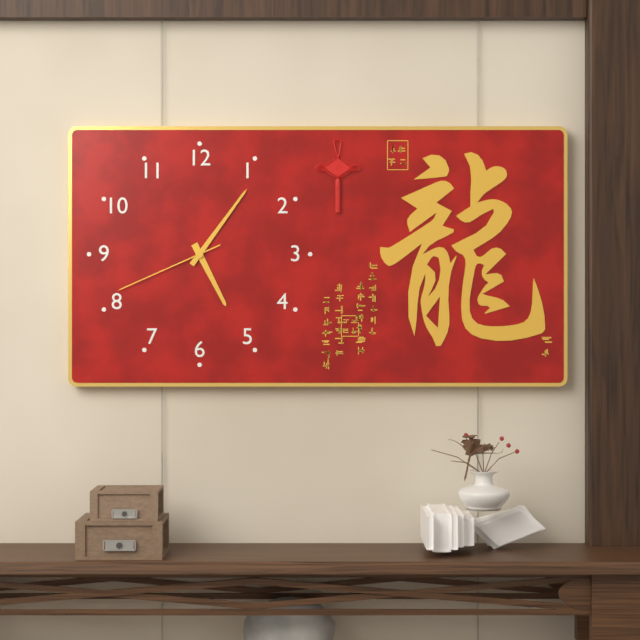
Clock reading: **5:06:41**
